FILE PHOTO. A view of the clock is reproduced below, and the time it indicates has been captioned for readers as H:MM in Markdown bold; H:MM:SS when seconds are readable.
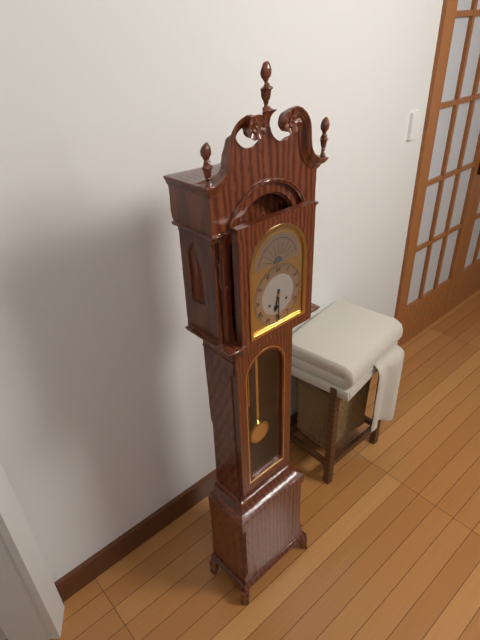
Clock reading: **6:30**
